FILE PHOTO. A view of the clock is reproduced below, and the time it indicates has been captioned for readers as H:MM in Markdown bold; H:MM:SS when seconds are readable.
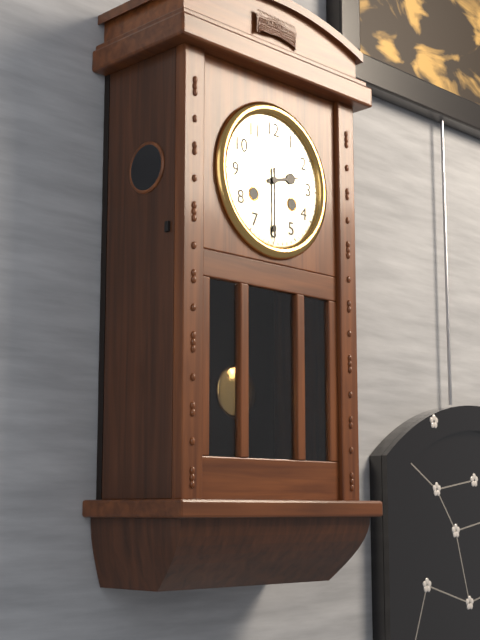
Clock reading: **2:30**
